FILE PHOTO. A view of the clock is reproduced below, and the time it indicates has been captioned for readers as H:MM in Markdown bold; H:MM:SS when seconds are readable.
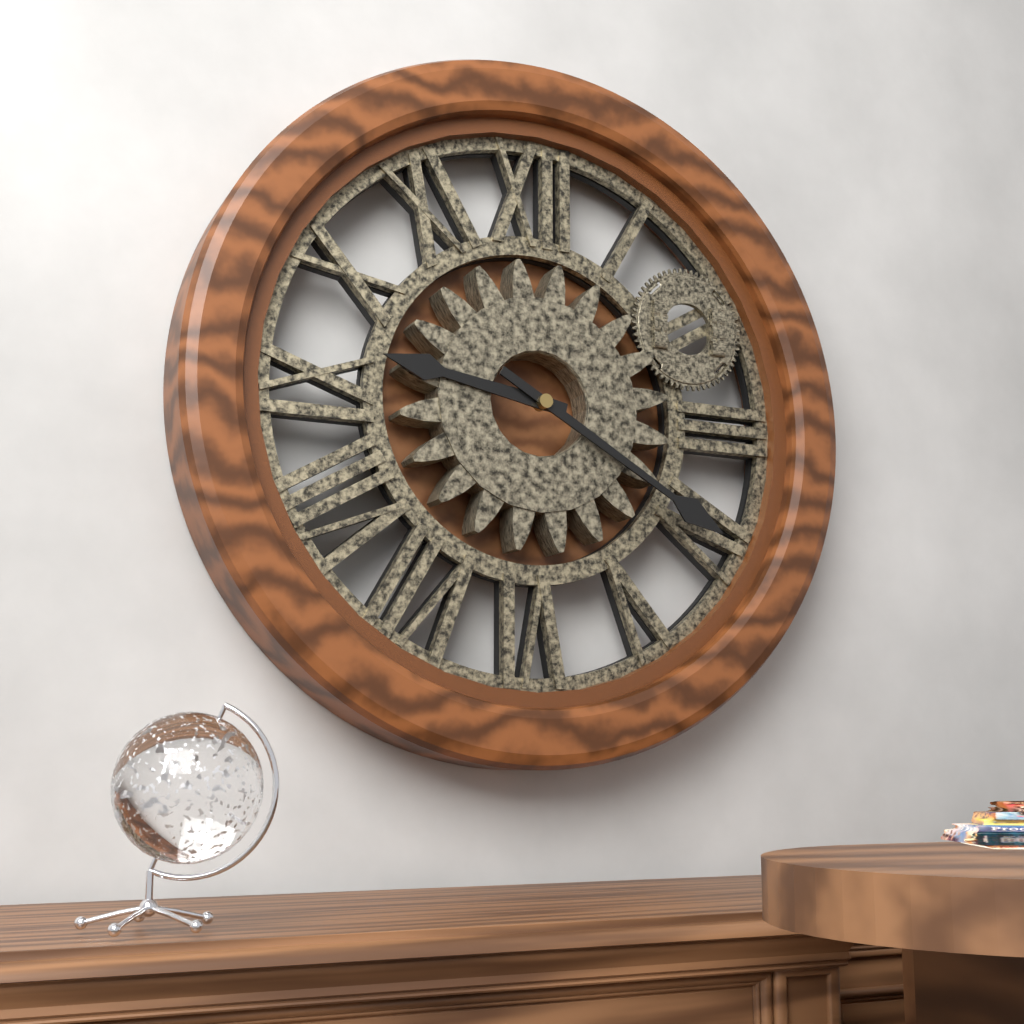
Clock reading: **9:20**
